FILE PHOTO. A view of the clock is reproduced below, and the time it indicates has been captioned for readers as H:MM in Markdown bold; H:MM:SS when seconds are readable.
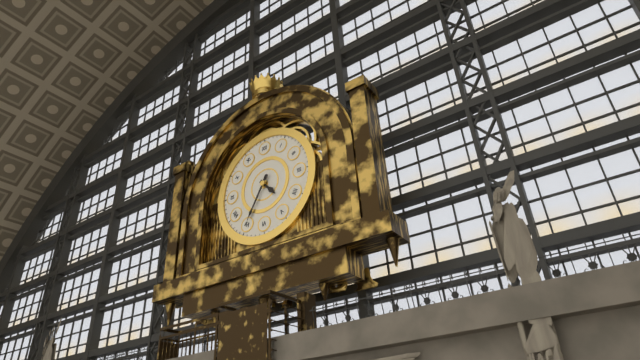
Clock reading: **4:35**
